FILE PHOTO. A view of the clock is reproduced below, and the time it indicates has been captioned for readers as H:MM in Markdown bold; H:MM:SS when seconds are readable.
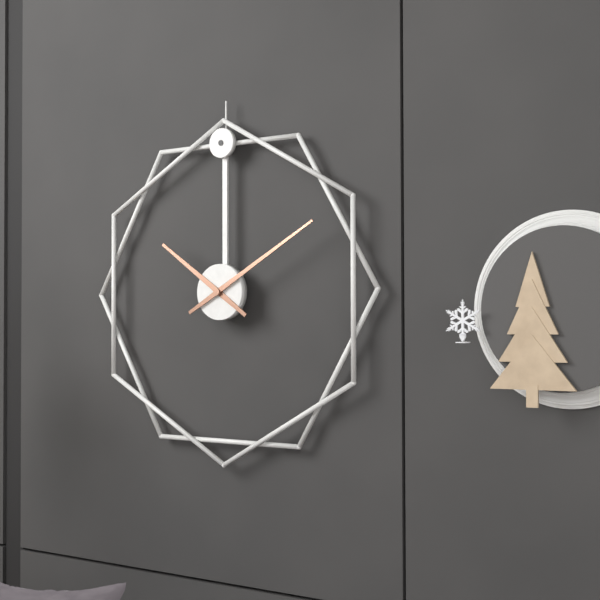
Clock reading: **10:10**
